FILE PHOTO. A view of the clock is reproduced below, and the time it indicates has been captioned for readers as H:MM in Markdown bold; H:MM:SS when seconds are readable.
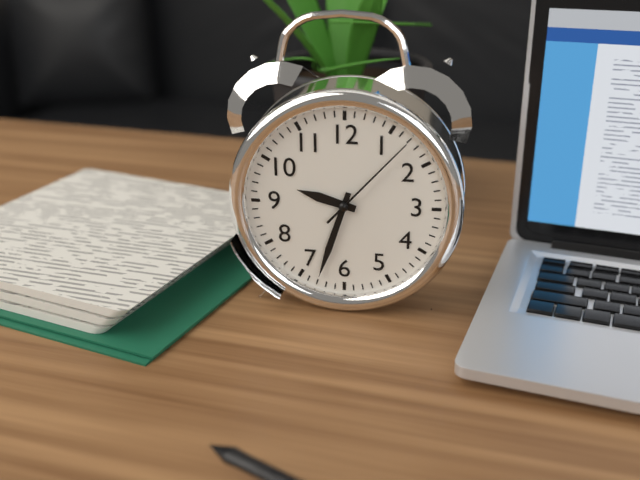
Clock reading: **9:33:07**
